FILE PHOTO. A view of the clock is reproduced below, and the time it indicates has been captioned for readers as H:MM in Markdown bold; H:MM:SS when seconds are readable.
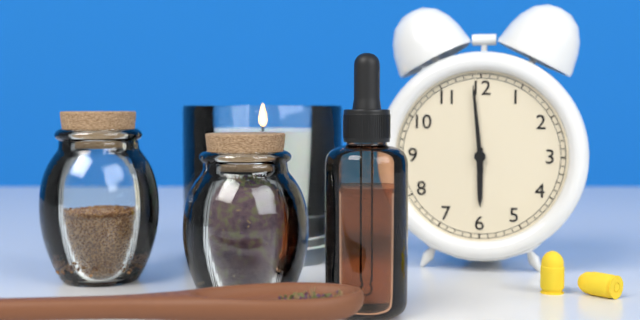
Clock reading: **5:59**
